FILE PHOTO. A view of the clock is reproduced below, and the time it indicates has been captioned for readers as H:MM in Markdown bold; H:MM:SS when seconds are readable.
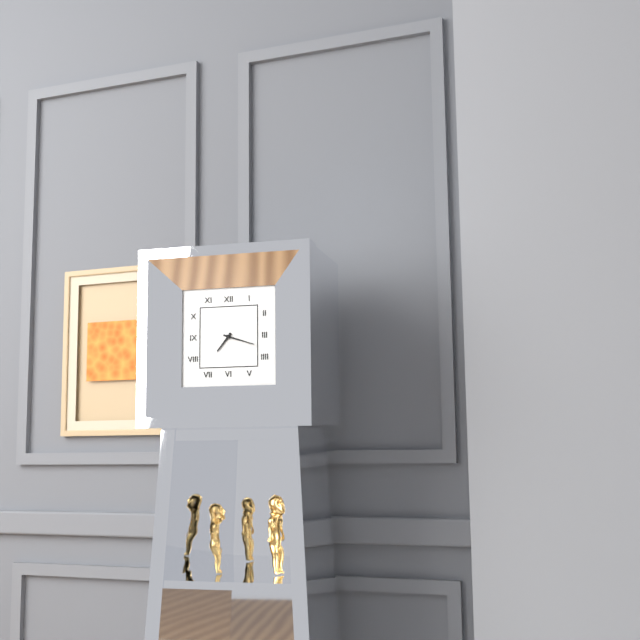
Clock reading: **7:18**
